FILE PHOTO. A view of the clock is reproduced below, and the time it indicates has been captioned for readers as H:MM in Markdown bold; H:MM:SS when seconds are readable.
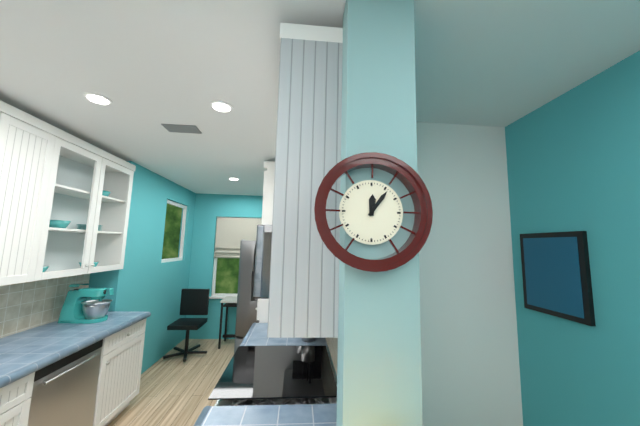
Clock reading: **12:06**
